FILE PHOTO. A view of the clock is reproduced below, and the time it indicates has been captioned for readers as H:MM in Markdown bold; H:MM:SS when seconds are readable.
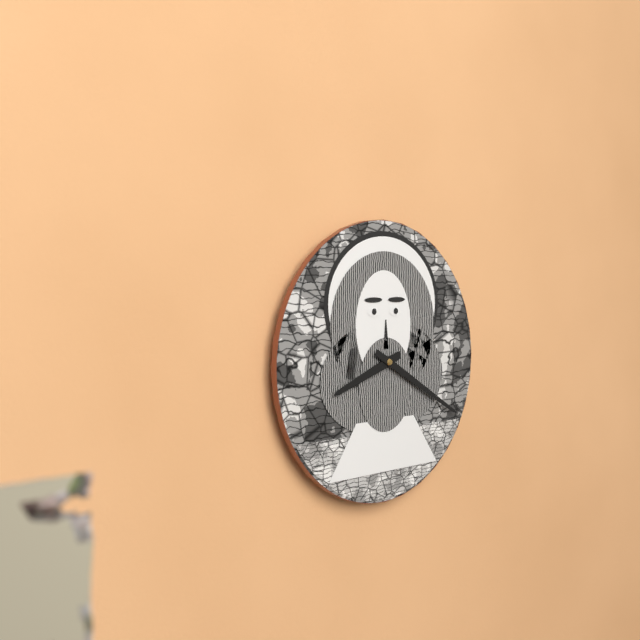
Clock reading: **8:20**
